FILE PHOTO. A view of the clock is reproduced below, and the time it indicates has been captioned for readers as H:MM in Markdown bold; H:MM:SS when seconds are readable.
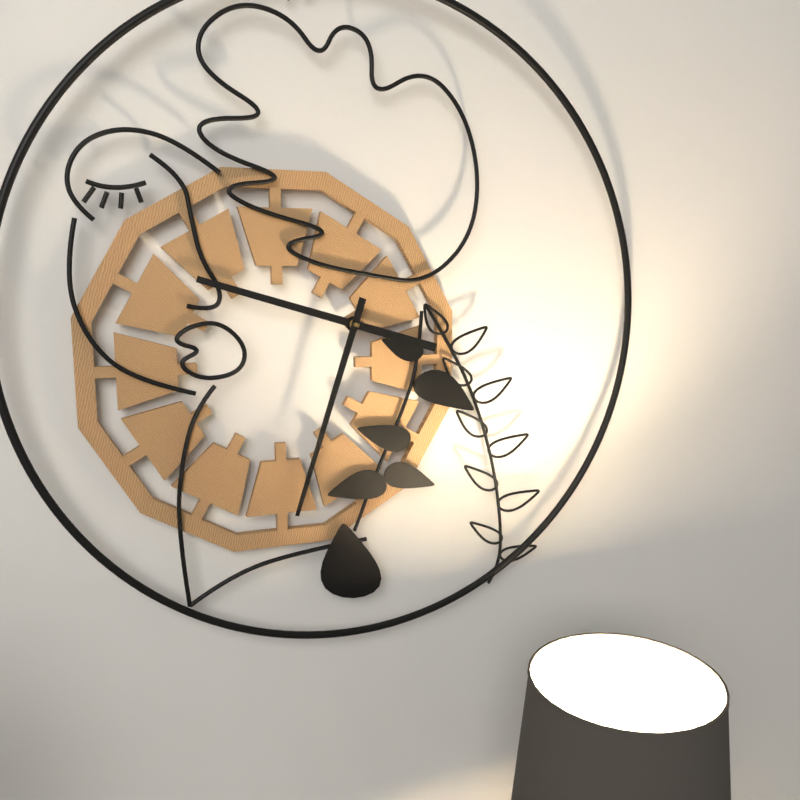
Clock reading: **9:33**
